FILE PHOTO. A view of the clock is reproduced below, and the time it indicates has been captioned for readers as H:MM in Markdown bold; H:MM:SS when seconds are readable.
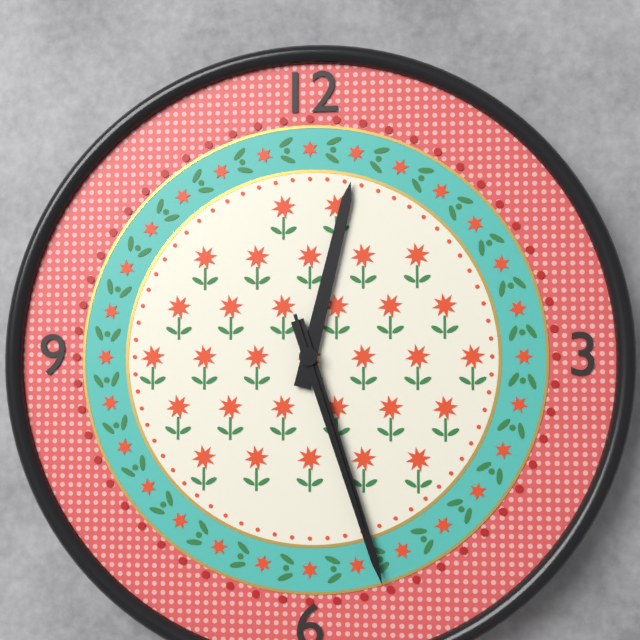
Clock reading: **12:27:27**
